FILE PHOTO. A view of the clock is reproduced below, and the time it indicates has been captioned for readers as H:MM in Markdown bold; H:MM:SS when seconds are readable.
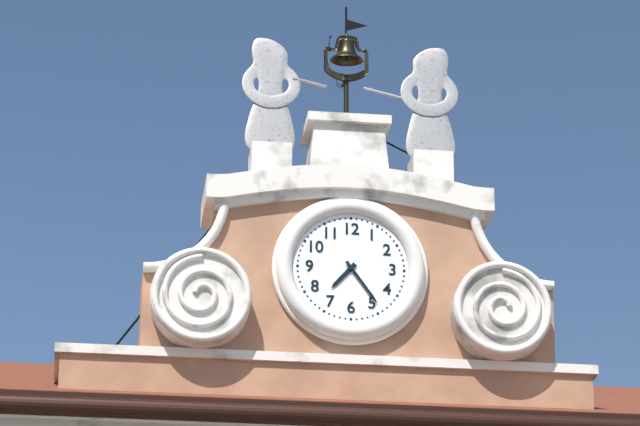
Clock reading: **7:24**
